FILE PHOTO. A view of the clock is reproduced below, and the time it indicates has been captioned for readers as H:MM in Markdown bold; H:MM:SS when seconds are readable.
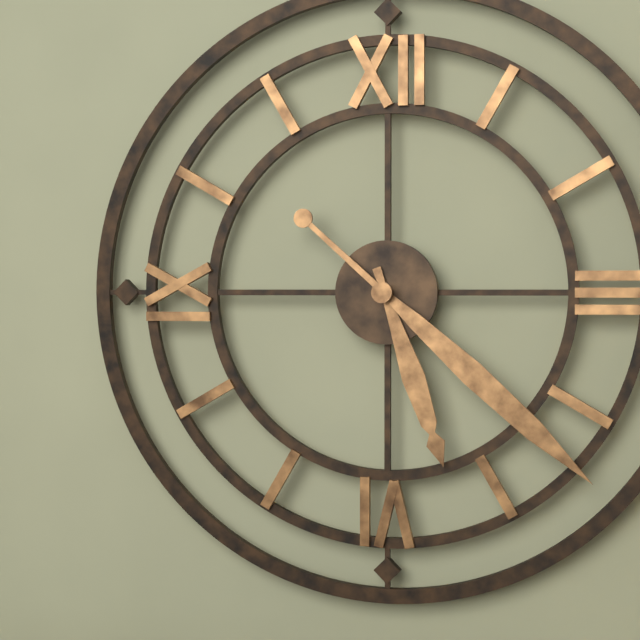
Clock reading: **5:22**
